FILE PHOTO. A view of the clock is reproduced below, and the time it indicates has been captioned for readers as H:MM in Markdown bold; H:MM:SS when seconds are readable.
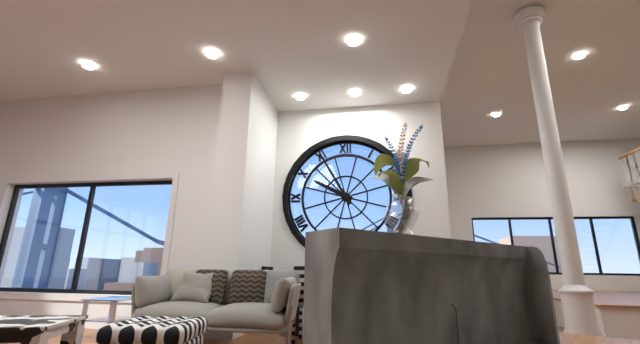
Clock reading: **9:55**
